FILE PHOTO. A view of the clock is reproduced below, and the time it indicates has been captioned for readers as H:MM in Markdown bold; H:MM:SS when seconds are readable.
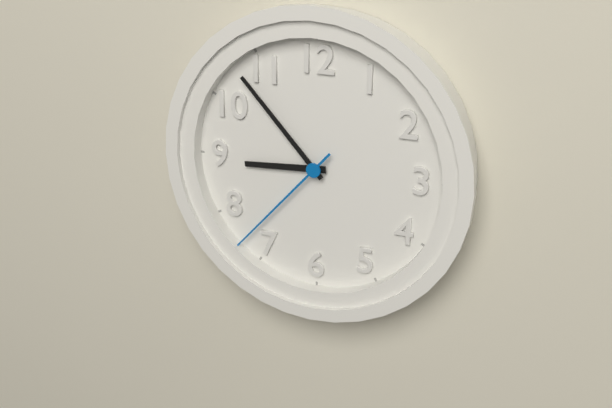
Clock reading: **8:53:37**
